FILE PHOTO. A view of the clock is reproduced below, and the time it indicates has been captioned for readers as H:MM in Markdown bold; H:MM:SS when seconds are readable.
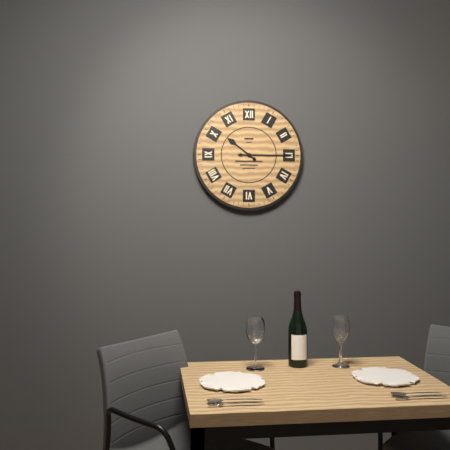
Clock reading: **10:15**
